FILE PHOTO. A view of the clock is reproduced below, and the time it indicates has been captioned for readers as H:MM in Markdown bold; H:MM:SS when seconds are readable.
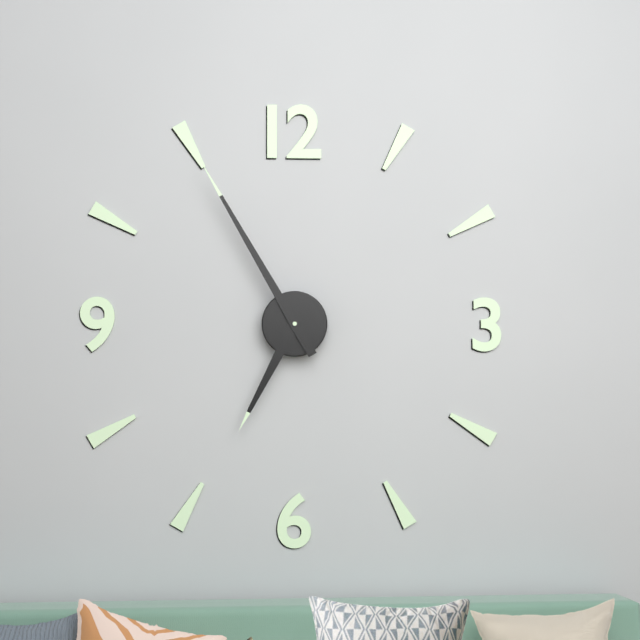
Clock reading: **6:55**
